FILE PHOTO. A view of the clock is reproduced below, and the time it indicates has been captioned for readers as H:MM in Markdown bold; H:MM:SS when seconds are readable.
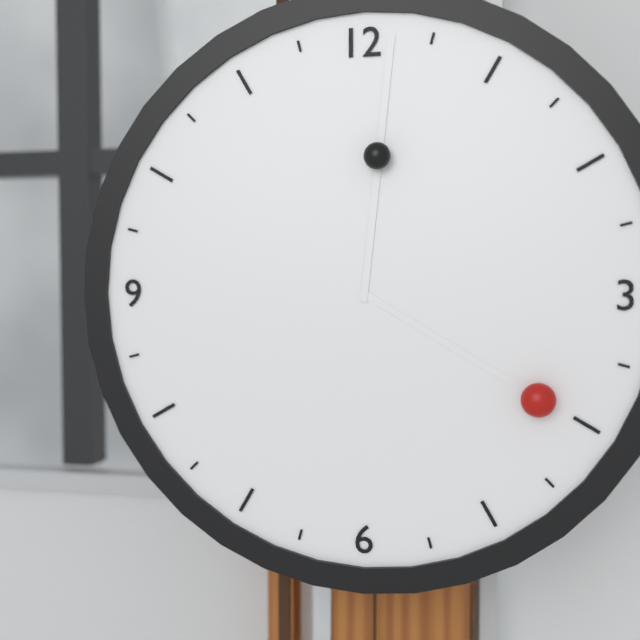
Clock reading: **4:01**
